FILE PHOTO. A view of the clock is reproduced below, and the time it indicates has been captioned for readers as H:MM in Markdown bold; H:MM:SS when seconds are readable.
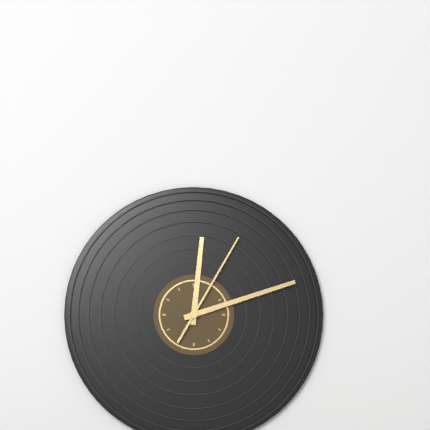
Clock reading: **12:12:05**
